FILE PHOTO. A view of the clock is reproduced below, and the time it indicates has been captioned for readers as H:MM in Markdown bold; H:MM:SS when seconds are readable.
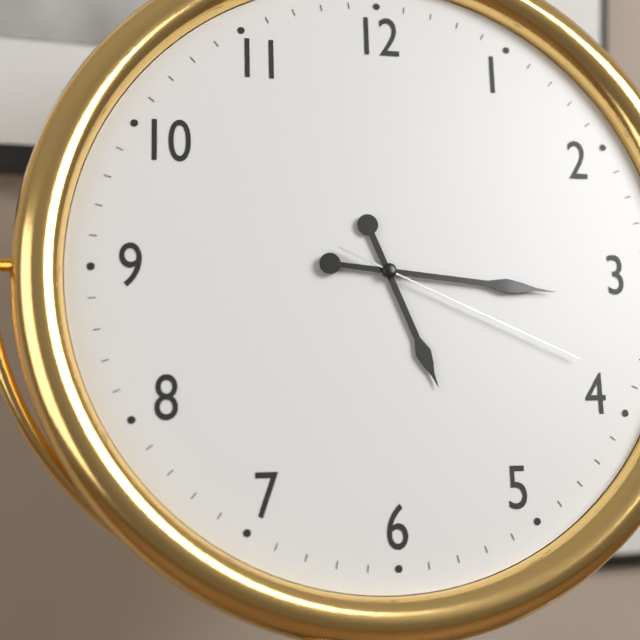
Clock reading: **5:16:19**
